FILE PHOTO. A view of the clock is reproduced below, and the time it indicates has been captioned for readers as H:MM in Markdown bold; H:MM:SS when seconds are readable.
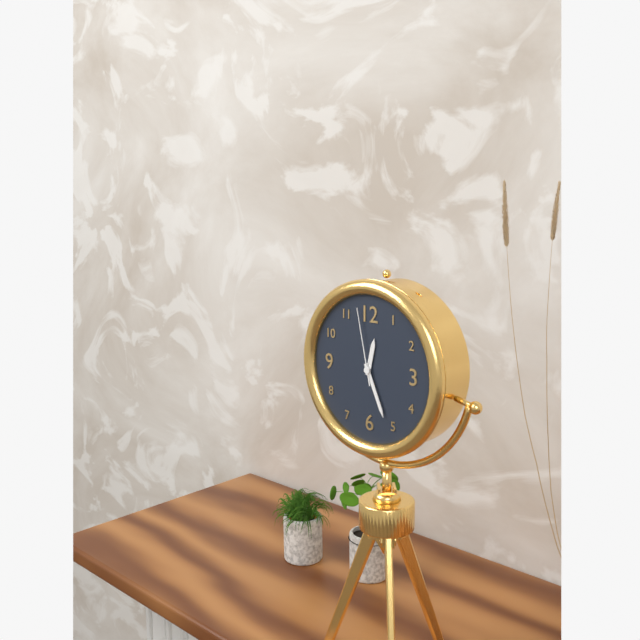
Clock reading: **12:26:58**
